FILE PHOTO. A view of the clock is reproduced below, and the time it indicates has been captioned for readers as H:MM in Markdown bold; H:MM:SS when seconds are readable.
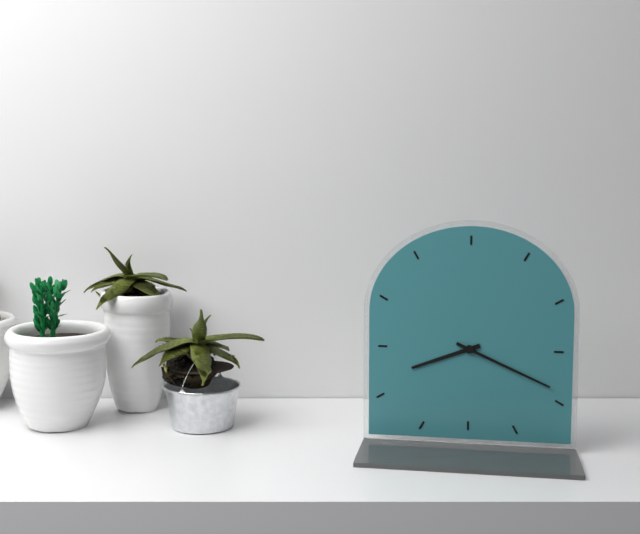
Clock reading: **8:19**
